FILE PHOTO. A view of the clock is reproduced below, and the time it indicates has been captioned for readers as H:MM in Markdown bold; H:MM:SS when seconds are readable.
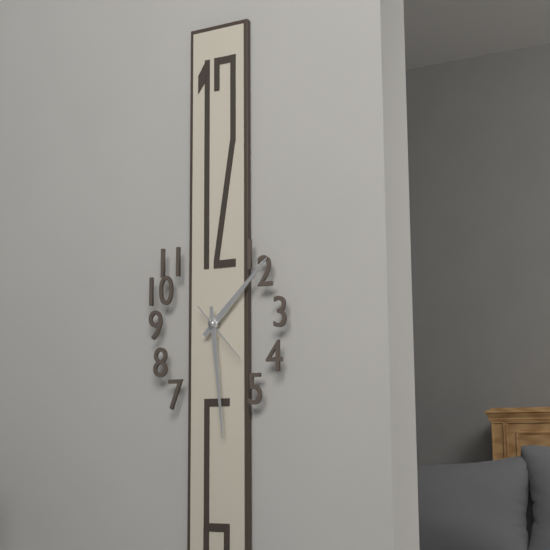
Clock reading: **1:29:23**
